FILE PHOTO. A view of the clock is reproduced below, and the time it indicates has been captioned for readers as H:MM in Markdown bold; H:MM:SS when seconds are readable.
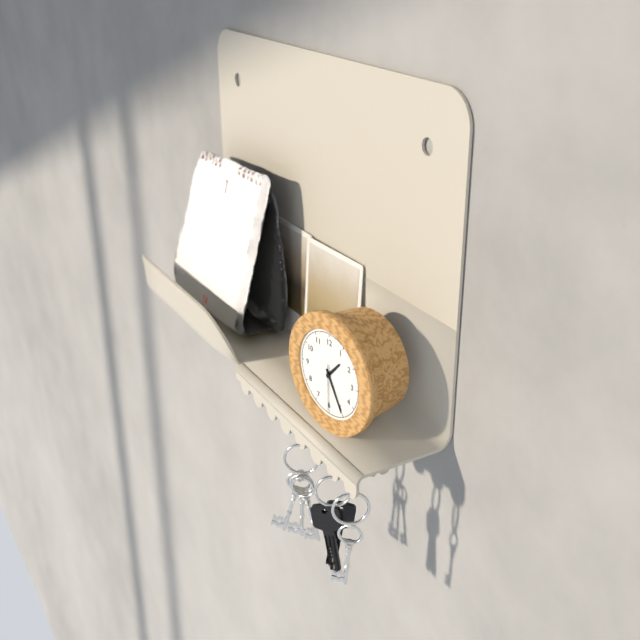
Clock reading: **1:25**
